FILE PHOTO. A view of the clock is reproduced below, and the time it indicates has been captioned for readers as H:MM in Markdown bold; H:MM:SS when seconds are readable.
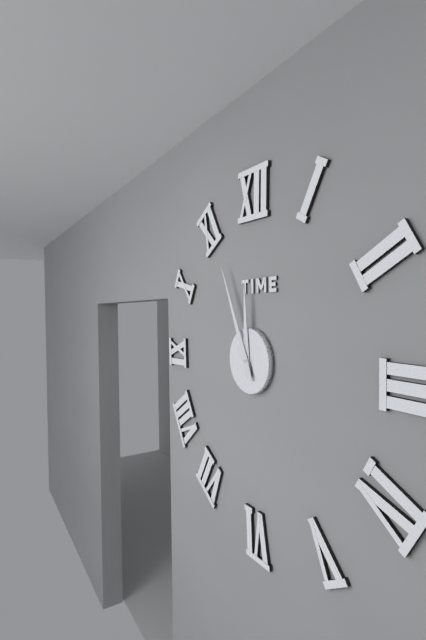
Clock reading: **11:56**
